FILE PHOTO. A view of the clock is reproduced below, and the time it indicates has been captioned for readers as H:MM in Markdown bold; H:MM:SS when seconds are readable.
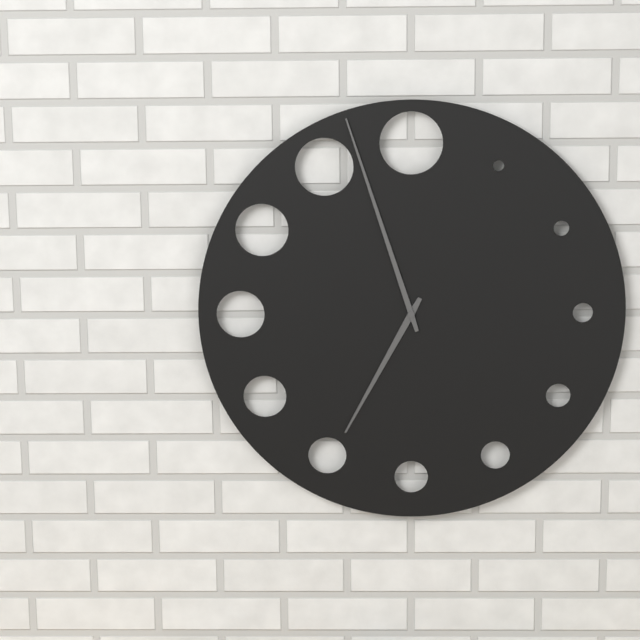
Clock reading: **6:57**
